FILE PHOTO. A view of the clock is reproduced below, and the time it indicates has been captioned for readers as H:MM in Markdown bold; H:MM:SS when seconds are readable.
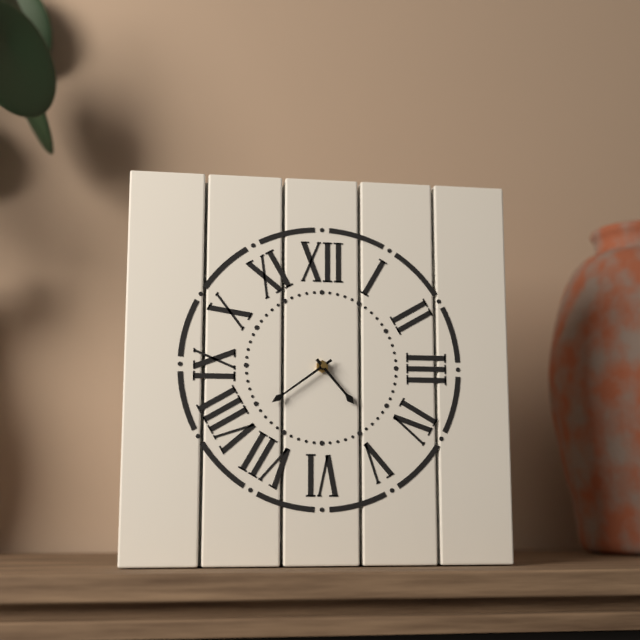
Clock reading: **4:39**
